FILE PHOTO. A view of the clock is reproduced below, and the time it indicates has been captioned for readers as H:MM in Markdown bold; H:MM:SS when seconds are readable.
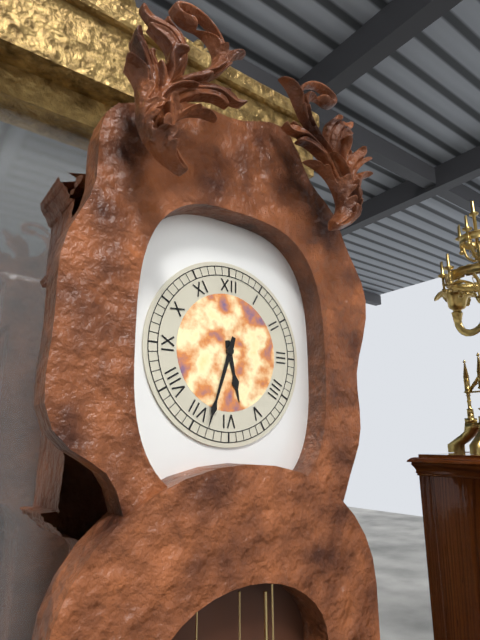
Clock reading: **5:33**
